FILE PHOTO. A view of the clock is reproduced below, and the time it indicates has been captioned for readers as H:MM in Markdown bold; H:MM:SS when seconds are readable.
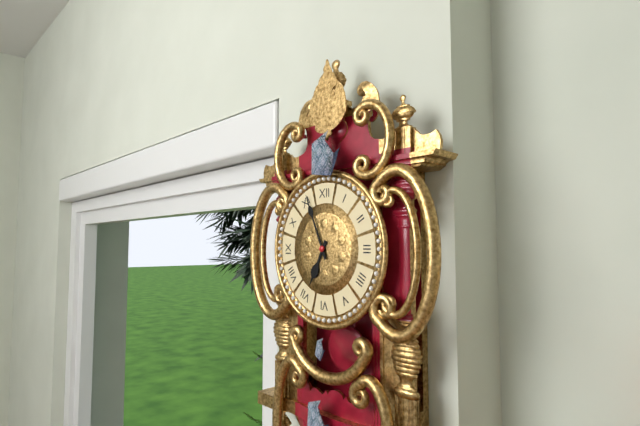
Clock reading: **6:56**
